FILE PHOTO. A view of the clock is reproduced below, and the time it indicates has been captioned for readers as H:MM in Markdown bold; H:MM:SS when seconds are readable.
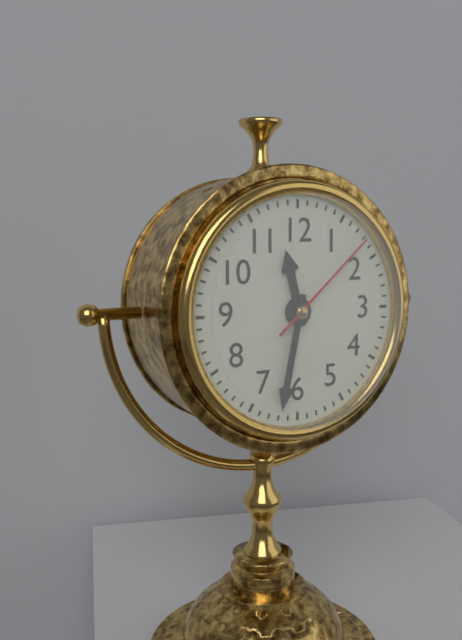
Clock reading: **11:32:08**
